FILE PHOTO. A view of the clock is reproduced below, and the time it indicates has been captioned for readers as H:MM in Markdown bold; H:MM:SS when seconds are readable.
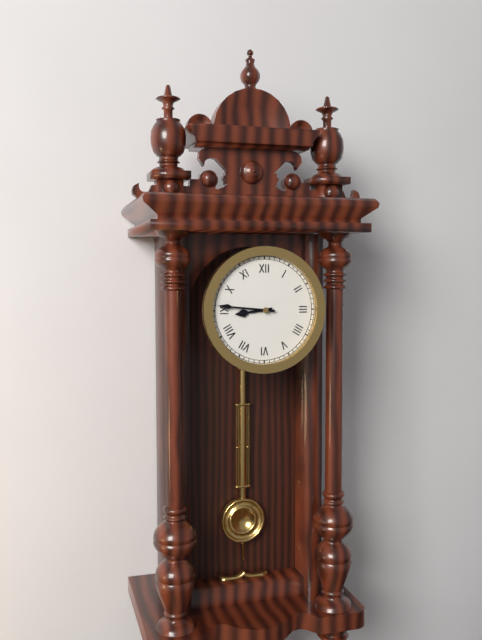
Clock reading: **8:46**
